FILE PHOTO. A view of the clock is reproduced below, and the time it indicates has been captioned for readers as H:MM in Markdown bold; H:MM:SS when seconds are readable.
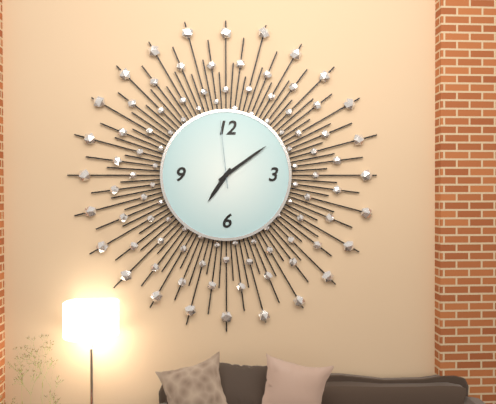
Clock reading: **7:09:59**
